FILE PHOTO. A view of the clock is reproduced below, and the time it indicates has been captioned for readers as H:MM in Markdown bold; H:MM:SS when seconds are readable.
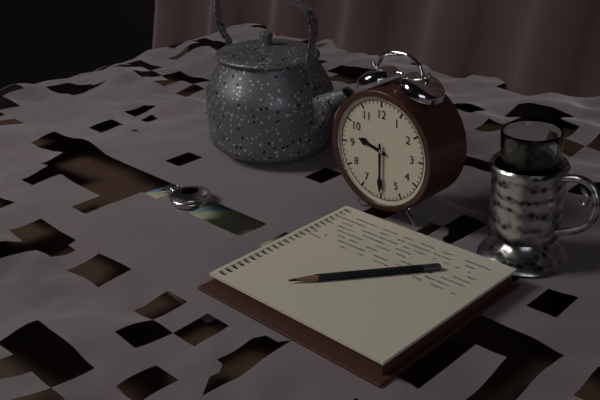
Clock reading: **9:30**
